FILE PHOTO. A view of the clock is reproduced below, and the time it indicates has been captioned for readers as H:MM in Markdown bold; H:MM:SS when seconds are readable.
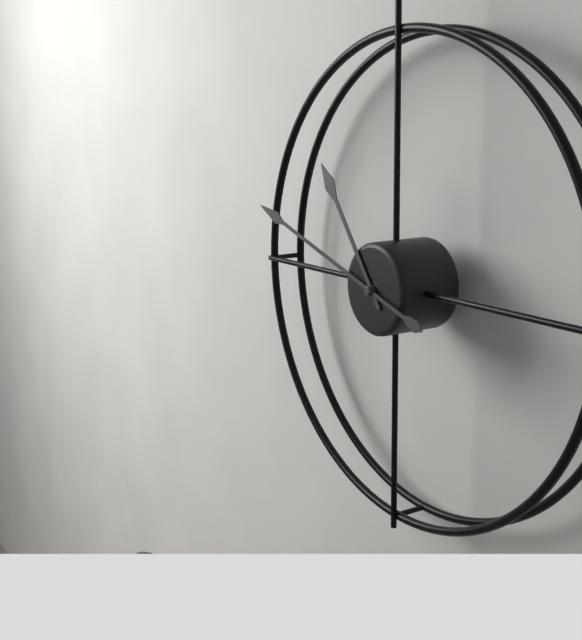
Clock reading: **10:48**
